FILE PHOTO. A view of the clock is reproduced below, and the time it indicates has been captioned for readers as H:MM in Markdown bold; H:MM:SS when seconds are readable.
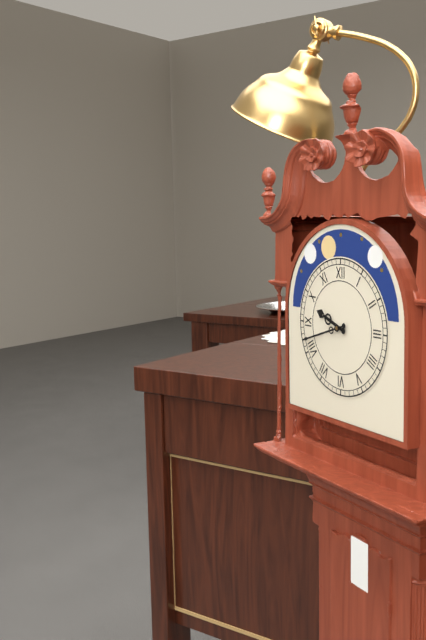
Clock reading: **9:42**
